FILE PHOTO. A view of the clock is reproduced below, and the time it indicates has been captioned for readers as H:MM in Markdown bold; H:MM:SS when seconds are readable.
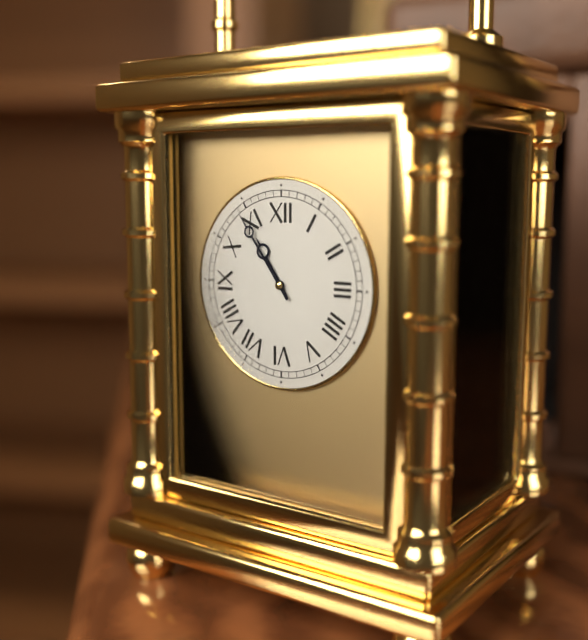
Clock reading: **10:54**
